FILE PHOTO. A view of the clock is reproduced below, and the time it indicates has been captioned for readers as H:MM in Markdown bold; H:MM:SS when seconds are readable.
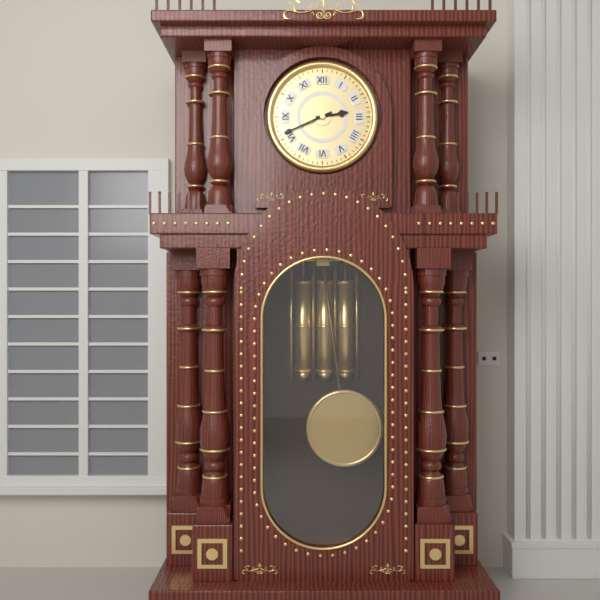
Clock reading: **2:41**
